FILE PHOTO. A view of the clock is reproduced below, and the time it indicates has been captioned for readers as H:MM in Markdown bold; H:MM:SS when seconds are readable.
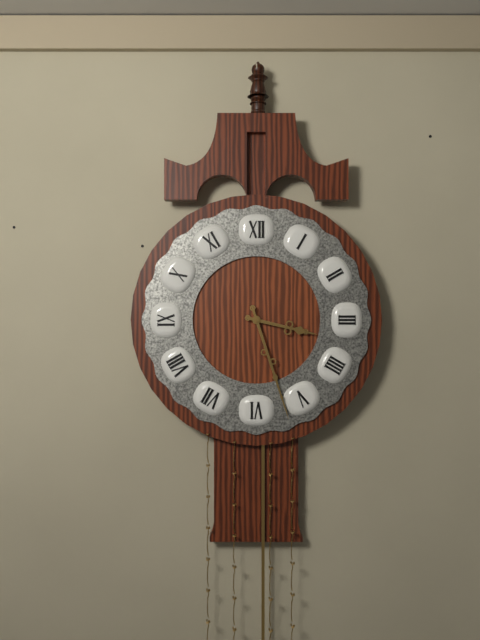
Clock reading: **3:27**
